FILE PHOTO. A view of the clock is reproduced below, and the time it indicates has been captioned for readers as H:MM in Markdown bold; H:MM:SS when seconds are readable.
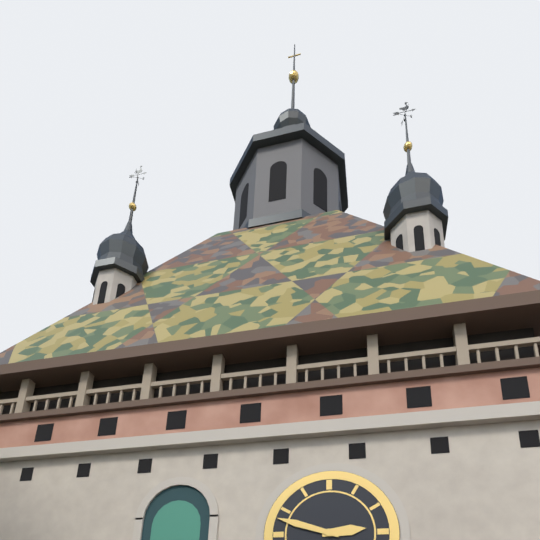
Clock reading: **2:48**
